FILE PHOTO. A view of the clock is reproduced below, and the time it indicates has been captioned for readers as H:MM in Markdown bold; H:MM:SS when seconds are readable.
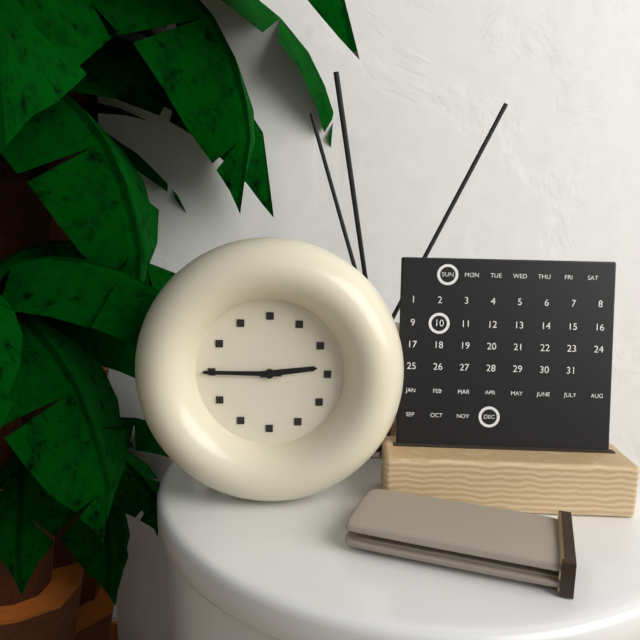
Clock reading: **2:45**
